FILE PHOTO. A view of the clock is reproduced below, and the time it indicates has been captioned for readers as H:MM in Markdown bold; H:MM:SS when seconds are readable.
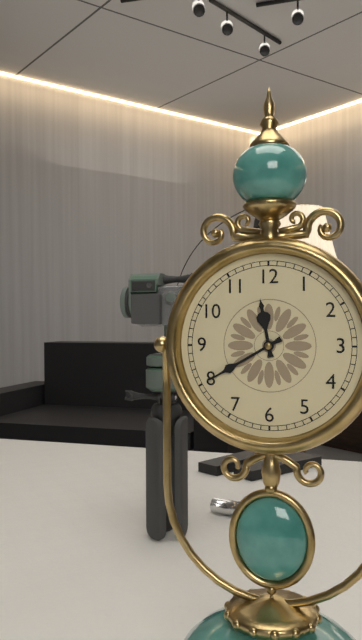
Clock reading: **11:40**
